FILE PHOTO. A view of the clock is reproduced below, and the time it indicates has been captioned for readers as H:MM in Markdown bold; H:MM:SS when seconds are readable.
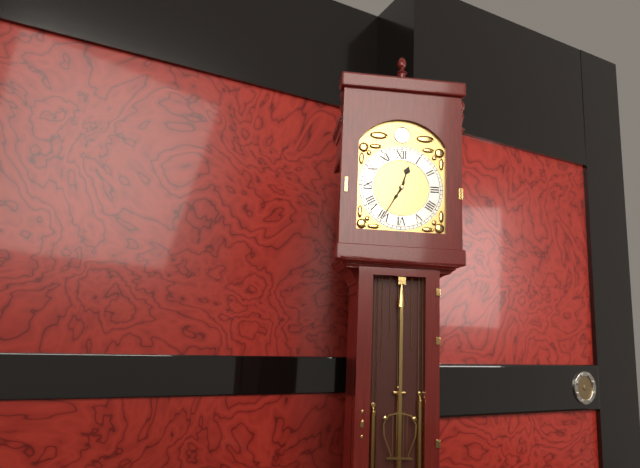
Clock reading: **12:35**
